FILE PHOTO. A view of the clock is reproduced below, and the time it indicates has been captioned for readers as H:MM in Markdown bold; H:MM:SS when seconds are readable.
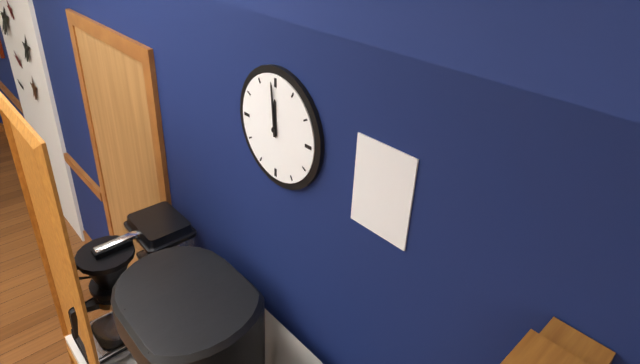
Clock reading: **11:59**
